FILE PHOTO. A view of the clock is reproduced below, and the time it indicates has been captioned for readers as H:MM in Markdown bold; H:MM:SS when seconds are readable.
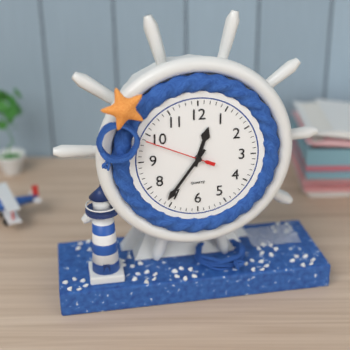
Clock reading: **12:36:49**
